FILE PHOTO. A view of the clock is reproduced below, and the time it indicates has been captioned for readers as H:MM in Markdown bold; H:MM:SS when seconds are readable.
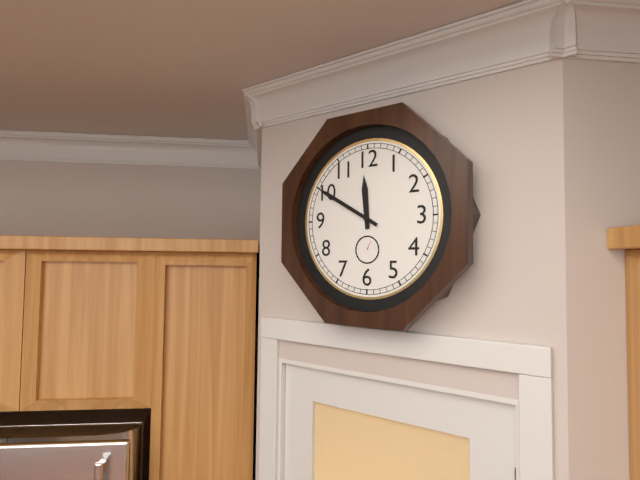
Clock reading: **11:50**
